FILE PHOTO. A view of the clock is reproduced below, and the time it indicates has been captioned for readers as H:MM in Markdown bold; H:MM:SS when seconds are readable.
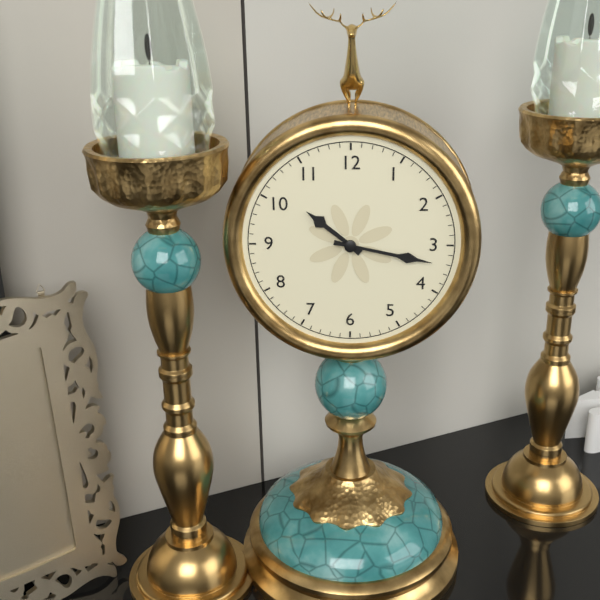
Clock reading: **10:17**
